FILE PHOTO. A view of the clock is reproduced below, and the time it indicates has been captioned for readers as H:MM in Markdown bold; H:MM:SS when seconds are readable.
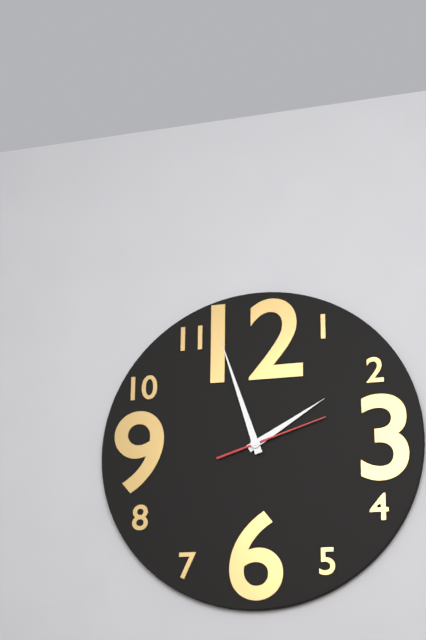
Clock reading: **1:57:12**
